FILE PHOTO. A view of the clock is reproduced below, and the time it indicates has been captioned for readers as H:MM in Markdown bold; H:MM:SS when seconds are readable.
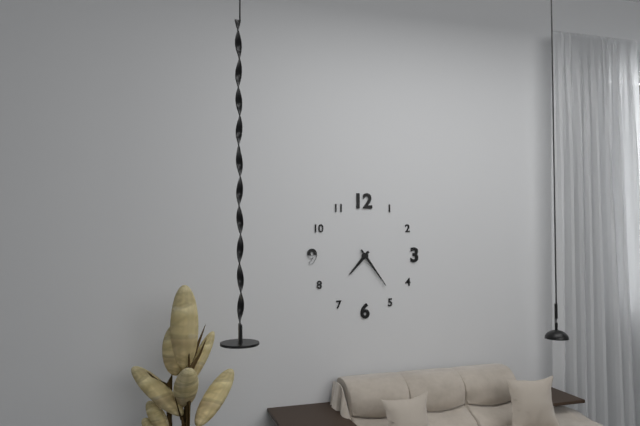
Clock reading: **7:24**
